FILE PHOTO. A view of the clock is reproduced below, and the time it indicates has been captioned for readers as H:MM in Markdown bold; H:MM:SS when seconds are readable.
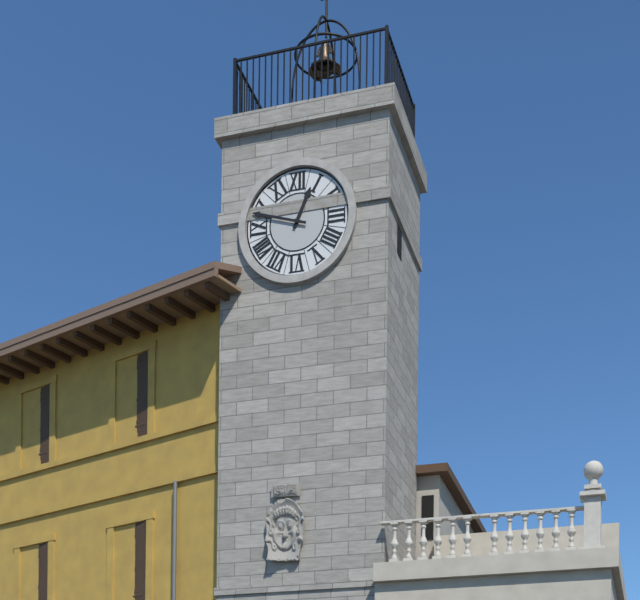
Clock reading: **12:48**
